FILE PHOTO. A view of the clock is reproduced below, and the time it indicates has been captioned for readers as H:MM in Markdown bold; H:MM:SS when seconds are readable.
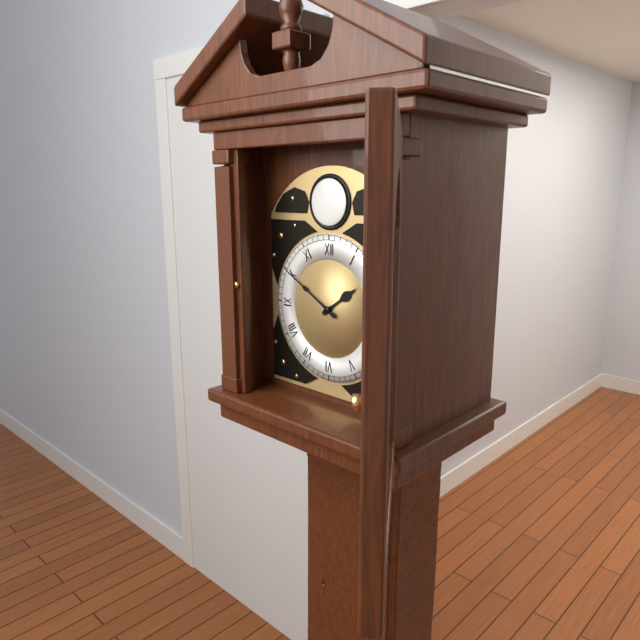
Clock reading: **1:50**
